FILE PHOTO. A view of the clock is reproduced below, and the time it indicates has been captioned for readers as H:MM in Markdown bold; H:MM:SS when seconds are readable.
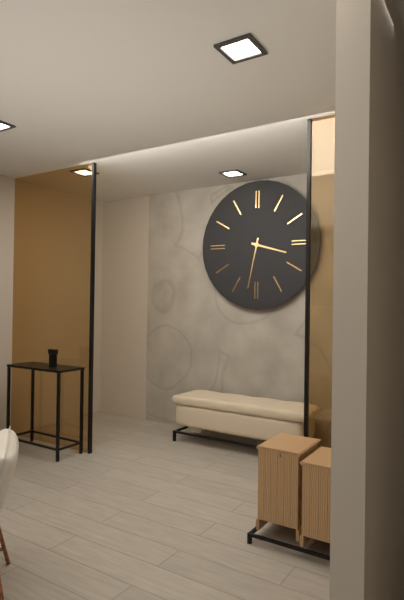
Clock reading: **3:32**
